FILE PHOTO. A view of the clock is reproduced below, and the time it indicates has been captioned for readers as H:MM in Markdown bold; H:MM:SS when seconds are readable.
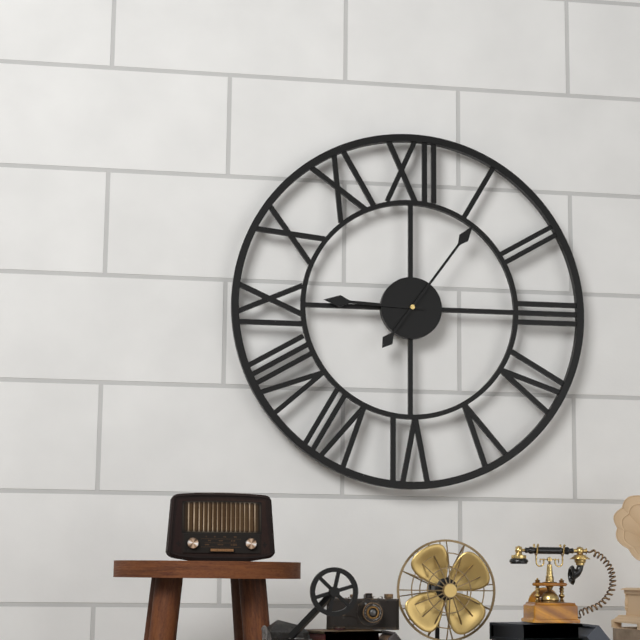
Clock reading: **9:06**
